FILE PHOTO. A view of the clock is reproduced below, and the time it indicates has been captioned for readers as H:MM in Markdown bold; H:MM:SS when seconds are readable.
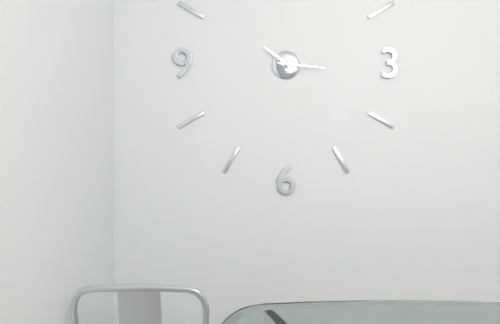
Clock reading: **10:16**
